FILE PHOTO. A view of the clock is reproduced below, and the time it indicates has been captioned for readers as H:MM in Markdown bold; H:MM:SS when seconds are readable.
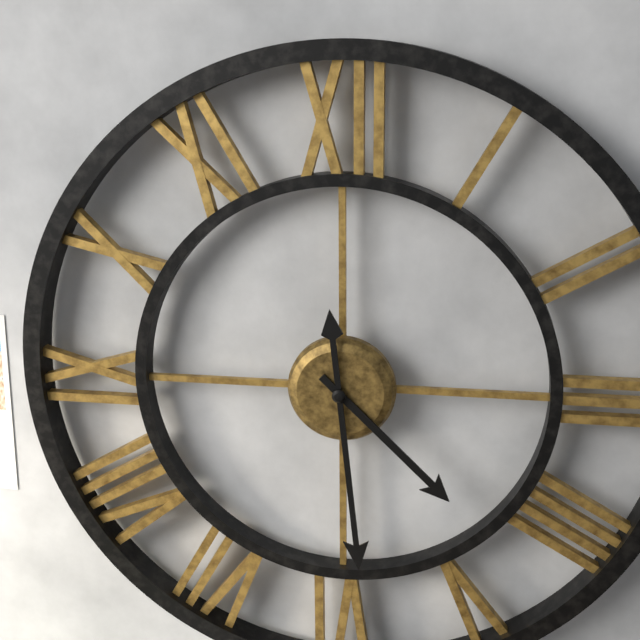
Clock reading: **4:29**
